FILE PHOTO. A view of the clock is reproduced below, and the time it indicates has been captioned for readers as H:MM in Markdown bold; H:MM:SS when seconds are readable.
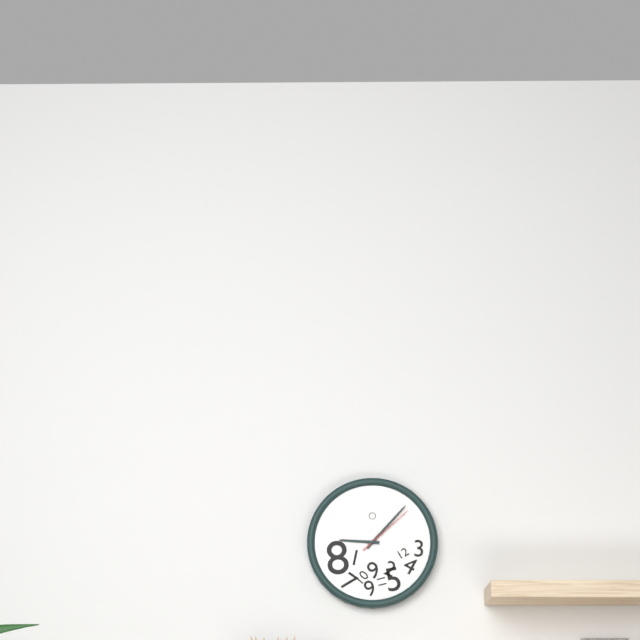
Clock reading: **9:07:08**
